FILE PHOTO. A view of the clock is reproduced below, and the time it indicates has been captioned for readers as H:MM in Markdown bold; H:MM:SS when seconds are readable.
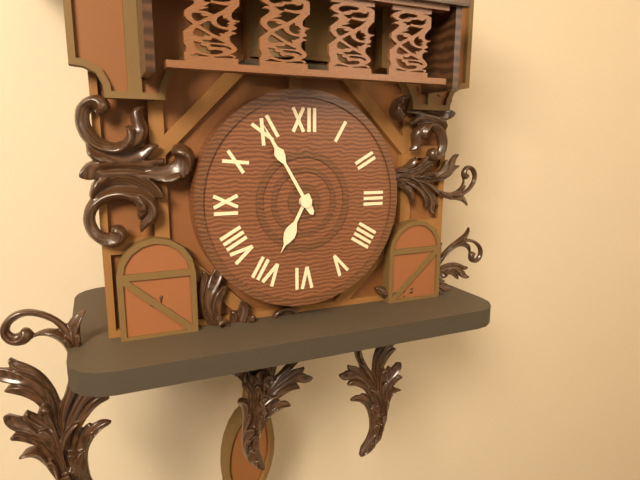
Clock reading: **6:55**
